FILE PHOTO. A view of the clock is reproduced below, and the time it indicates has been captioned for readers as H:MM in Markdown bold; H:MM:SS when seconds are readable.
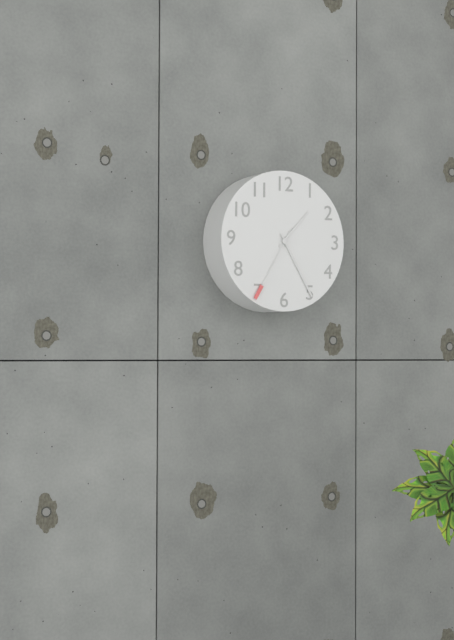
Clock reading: **1:25:35**
